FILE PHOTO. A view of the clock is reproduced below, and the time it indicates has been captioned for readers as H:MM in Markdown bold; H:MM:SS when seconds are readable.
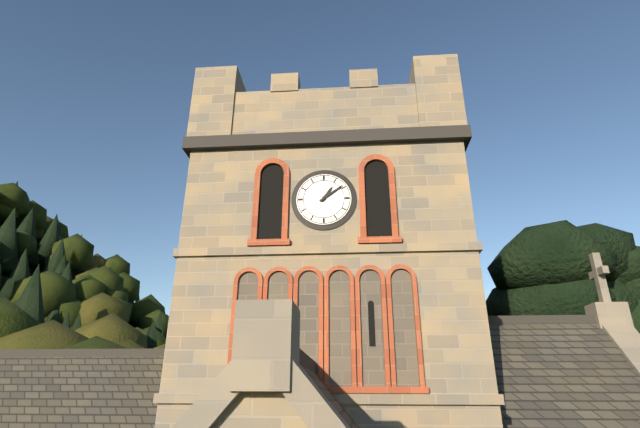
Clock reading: **1:09**
